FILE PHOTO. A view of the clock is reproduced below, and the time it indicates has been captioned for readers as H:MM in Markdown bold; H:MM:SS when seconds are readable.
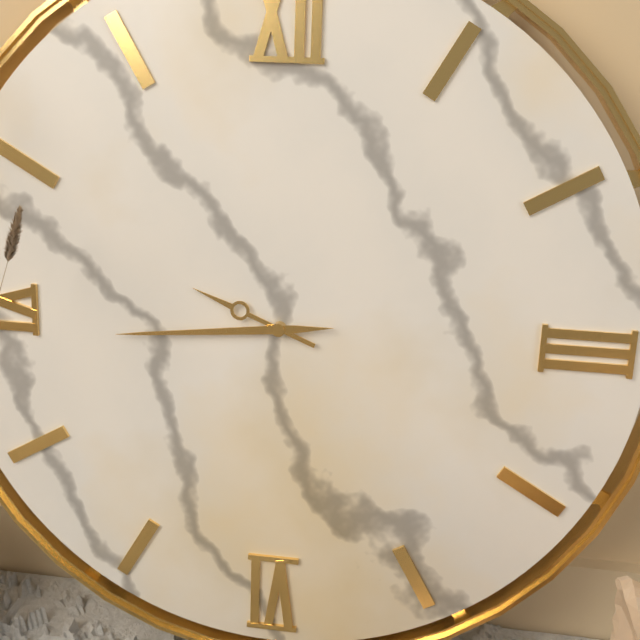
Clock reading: **9:44**
